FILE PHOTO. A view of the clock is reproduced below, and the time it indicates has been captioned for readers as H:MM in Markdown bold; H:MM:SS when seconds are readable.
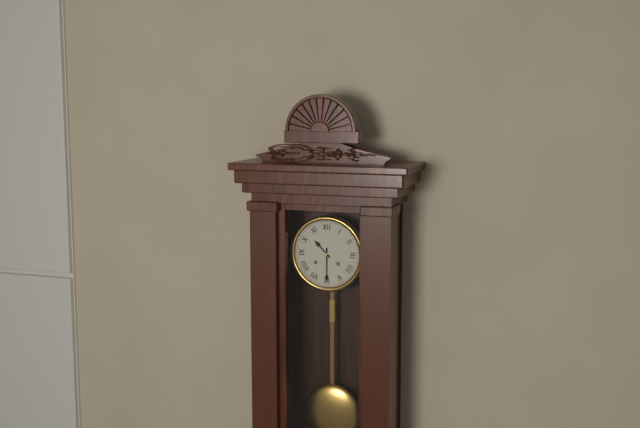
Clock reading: **10:30**
